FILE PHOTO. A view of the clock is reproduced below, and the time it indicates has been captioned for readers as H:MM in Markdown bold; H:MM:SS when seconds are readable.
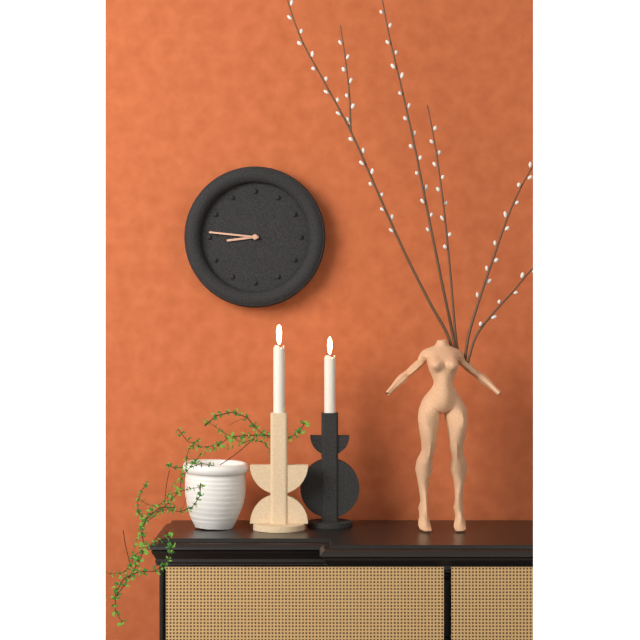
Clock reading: **8:46**
